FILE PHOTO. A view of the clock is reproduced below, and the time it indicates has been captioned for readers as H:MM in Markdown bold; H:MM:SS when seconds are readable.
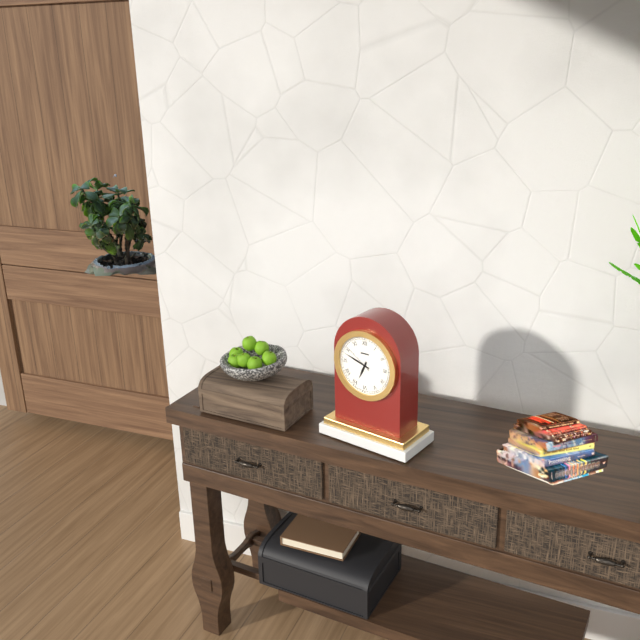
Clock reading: **6:48**
